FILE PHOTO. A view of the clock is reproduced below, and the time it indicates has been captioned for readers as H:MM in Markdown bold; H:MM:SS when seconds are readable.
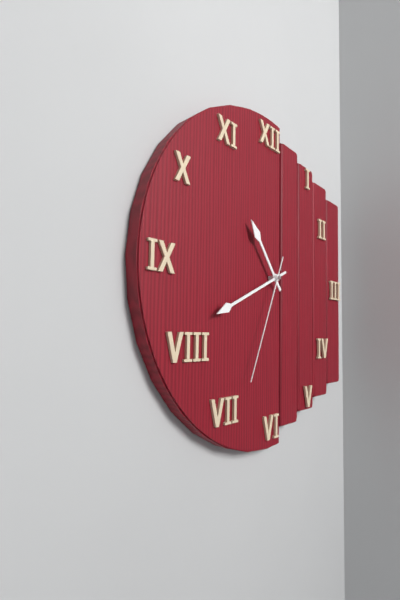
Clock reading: **10:41:34**
